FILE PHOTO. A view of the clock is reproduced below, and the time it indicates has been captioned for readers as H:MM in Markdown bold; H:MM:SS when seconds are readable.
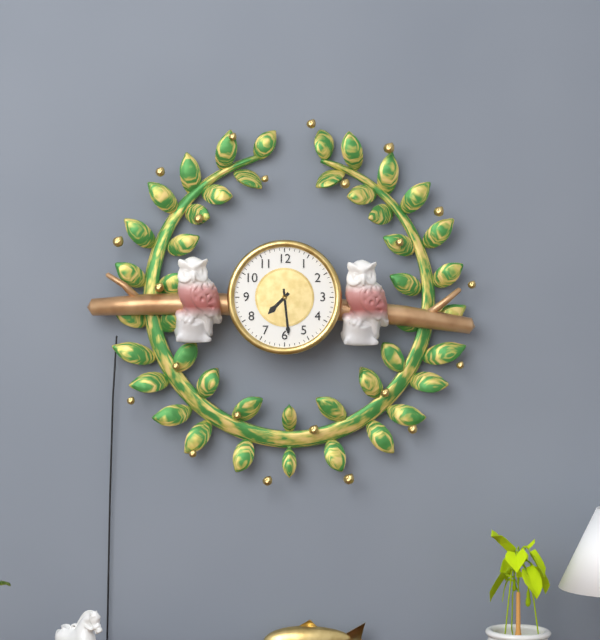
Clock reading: **7:29**
